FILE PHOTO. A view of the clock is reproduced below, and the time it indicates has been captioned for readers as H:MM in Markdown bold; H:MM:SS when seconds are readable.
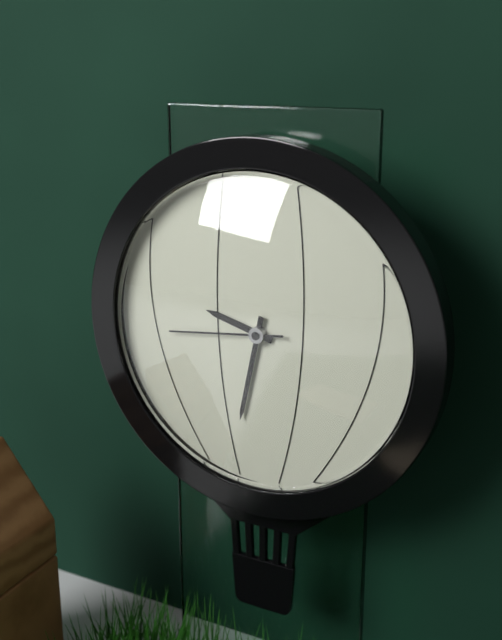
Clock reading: **9:32:44**
